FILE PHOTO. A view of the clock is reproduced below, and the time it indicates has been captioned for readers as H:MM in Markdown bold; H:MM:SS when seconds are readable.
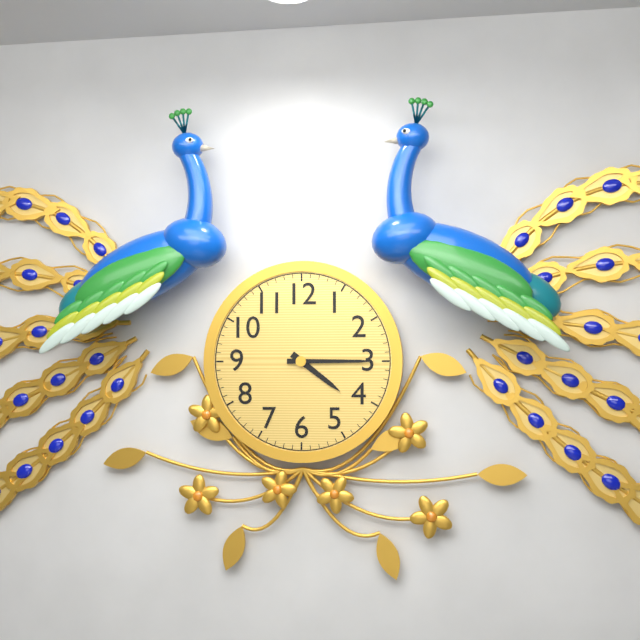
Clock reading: **4:15**
